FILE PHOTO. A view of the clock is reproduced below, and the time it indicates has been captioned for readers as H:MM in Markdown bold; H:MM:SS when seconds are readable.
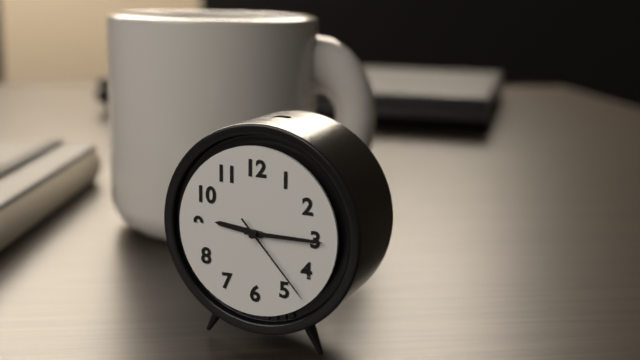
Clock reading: **9:15:23**
